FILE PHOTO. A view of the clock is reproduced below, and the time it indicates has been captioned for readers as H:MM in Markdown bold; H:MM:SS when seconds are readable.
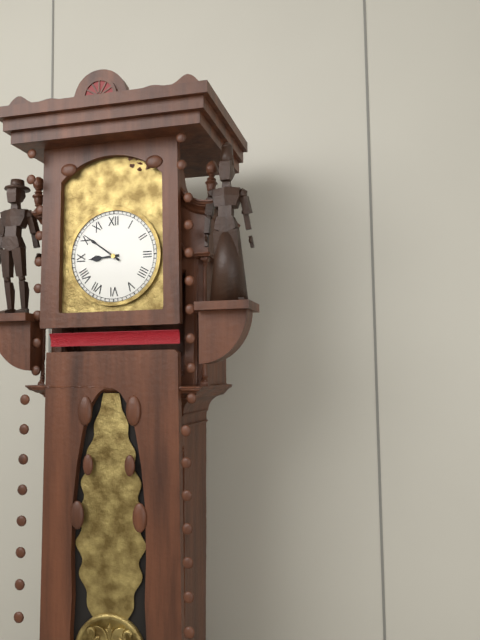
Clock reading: **8:51**
